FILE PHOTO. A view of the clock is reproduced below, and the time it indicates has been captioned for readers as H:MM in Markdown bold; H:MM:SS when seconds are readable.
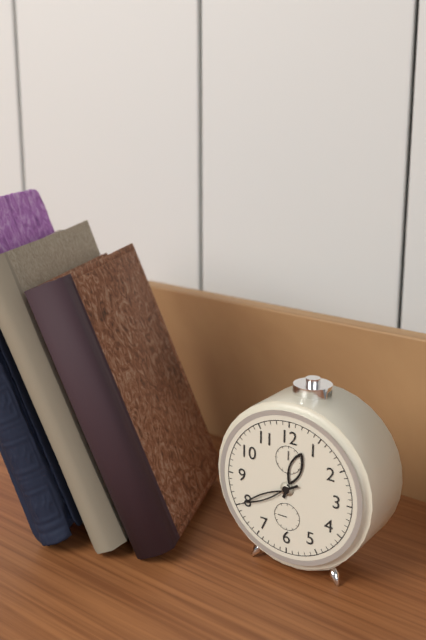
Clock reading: **12:40**
